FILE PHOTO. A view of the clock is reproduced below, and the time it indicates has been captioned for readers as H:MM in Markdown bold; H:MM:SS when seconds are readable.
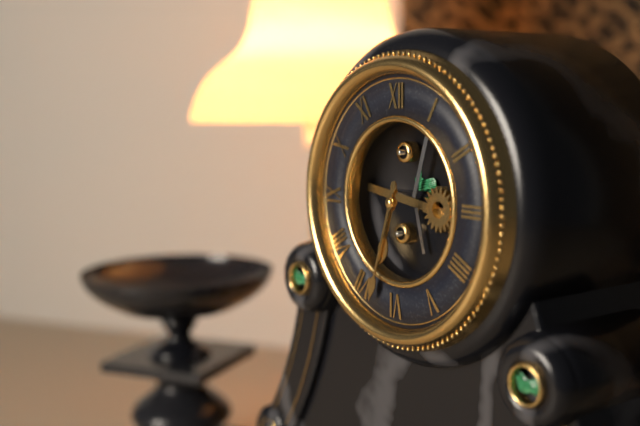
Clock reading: **6:33**
